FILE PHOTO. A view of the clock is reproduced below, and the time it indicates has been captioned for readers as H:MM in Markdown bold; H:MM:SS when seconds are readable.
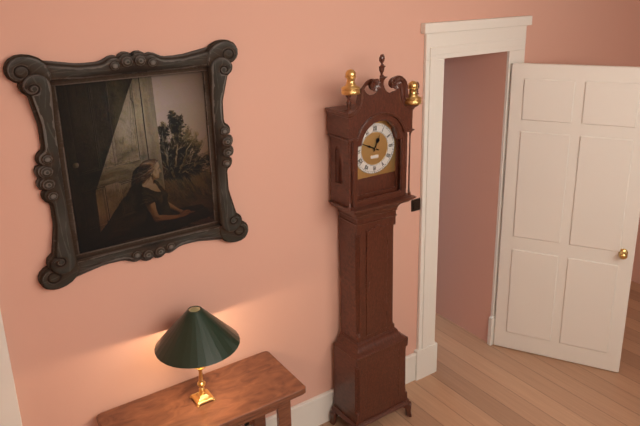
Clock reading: **12:49**
